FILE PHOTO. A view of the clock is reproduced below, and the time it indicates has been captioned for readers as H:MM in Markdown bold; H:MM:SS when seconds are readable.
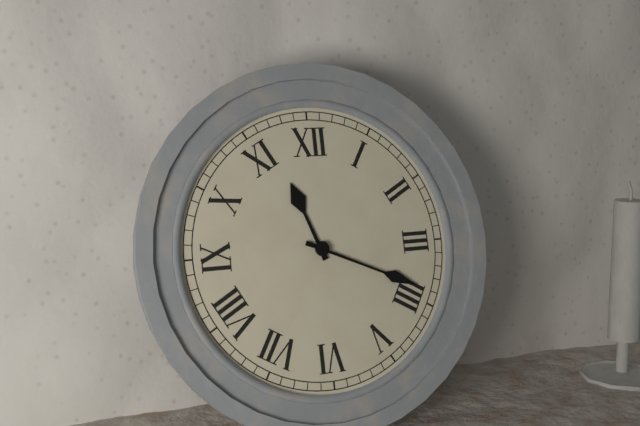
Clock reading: **11:19**
